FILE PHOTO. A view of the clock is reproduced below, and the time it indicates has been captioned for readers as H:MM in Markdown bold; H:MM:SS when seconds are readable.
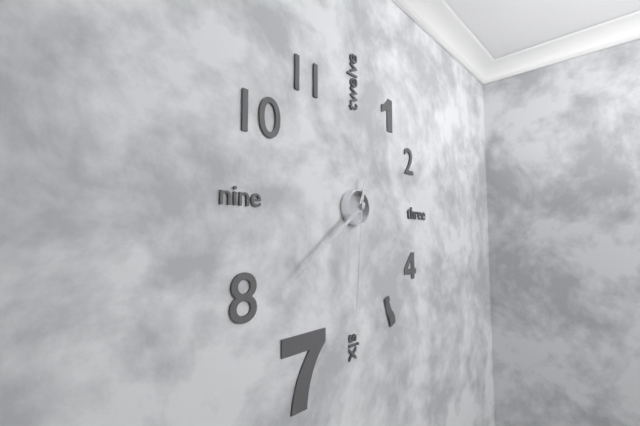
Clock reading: **12:39:31**
